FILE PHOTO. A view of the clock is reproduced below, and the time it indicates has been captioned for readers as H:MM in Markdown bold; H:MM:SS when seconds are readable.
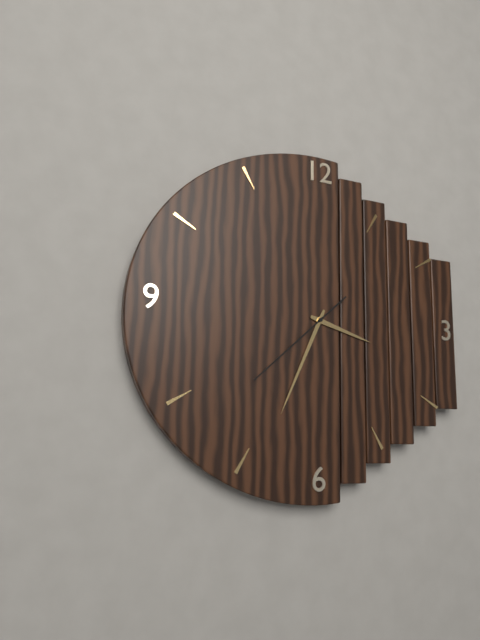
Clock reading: **3:34:38**
